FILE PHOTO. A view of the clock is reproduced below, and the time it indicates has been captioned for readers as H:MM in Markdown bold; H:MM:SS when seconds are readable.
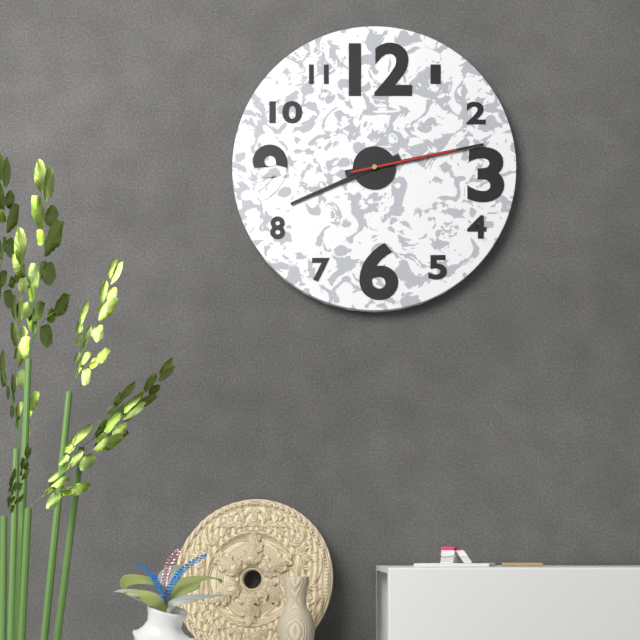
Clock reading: **8:13:13**
